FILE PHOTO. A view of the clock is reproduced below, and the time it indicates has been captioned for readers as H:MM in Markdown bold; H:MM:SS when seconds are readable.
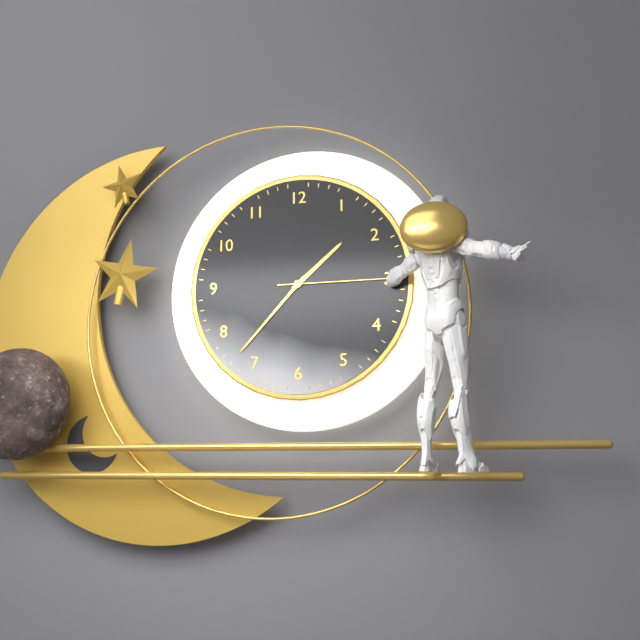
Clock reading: **1:37:15**
